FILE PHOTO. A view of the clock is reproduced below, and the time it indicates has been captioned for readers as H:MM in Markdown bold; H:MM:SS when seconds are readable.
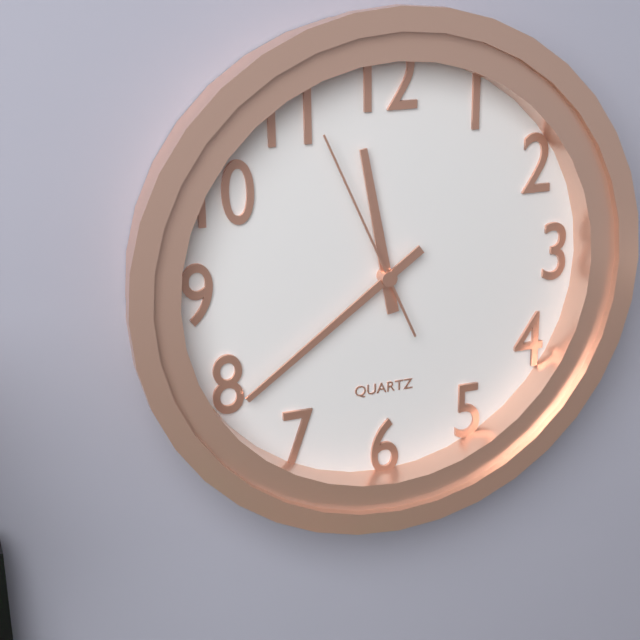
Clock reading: **11:39:56**
